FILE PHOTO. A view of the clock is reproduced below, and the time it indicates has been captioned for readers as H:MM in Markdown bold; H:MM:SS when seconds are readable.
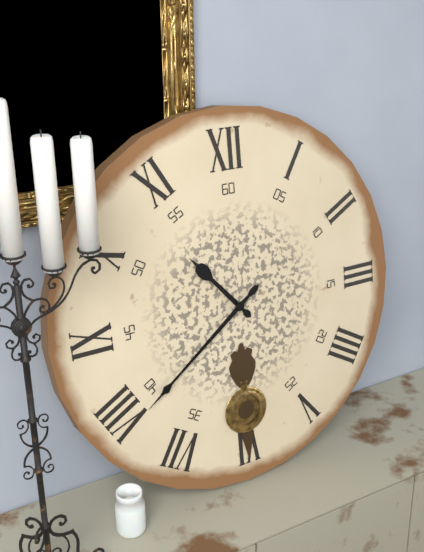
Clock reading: **10:39**
